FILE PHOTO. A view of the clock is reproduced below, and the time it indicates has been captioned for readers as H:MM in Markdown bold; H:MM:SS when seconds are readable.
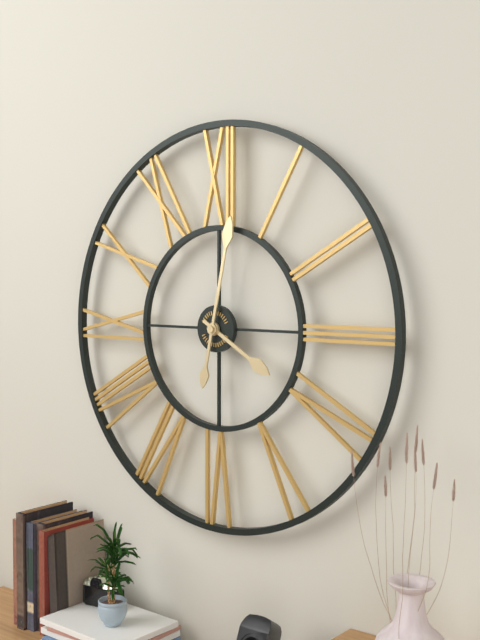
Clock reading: **4:02**
